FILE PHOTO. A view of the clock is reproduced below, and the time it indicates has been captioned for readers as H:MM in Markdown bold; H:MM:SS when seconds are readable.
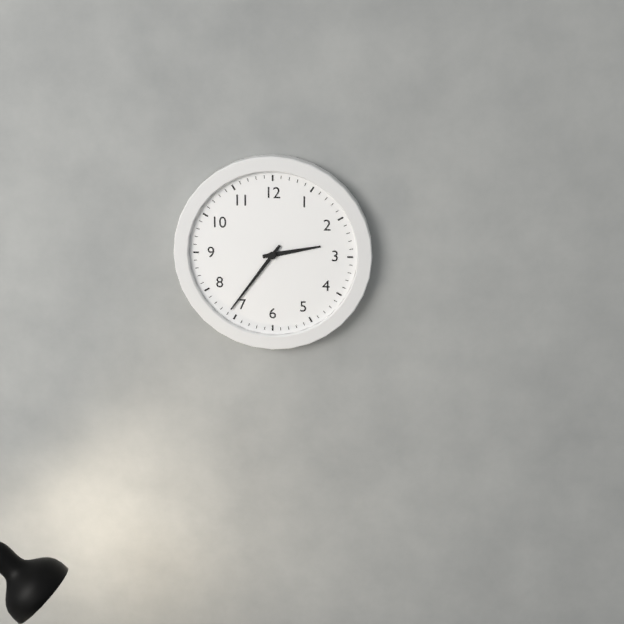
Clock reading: **2:36**
